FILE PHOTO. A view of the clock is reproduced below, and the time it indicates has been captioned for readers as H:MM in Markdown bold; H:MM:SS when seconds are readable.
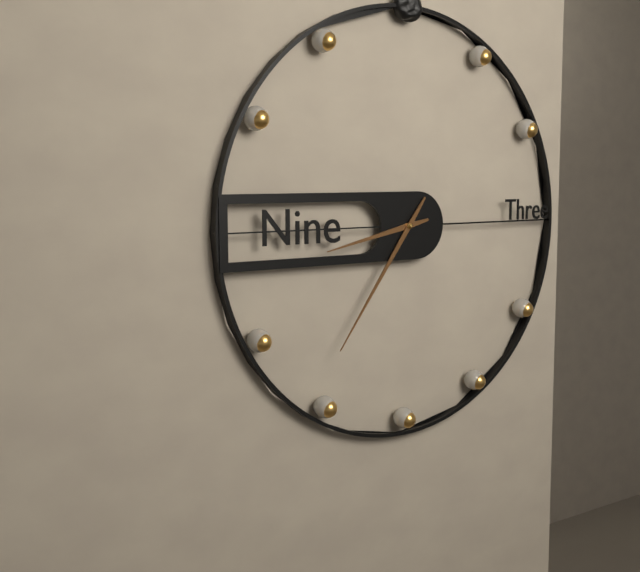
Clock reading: **8:36**
